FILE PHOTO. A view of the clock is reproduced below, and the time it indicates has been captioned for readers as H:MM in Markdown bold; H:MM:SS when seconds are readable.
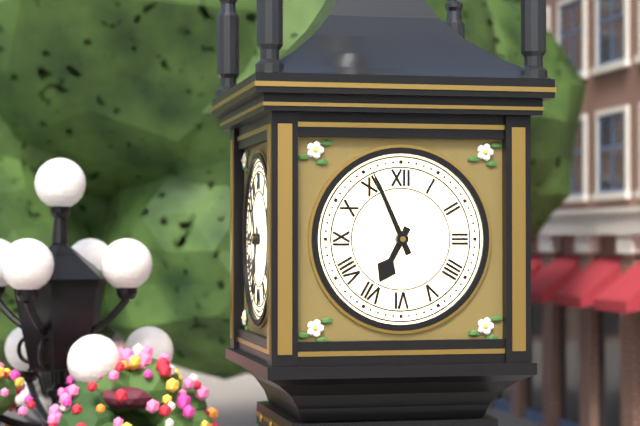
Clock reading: **6:56**
